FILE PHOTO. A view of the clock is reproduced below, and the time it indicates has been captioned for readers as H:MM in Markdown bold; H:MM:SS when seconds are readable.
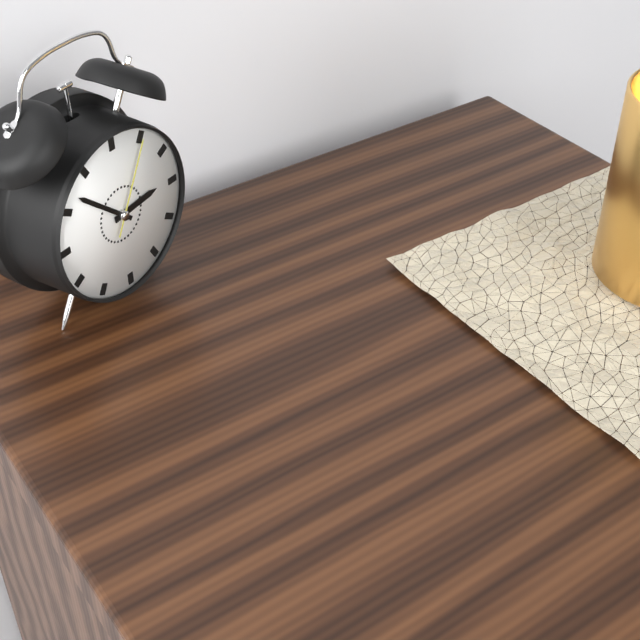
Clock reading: **2:52:05**
